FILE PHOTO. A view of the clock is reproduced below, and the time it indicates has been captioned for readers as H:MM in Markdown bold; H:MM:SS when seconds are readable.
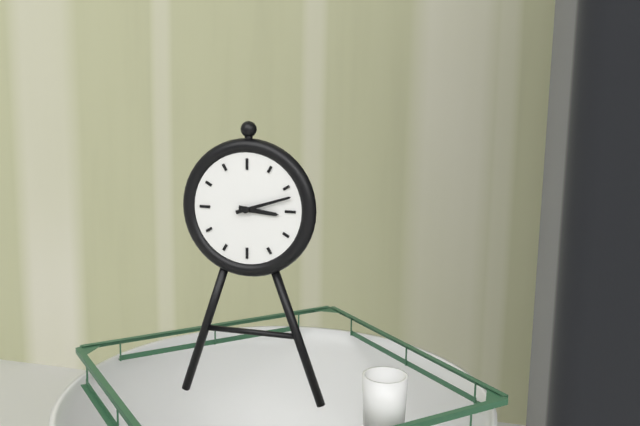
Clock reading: **3:12**
